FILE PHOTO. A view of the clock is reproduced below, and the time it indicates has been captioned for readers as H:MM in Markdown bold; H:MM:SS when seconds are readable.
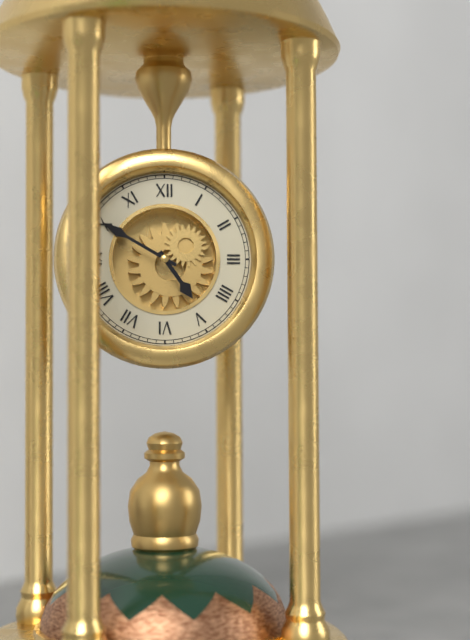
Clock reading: **4:50**
